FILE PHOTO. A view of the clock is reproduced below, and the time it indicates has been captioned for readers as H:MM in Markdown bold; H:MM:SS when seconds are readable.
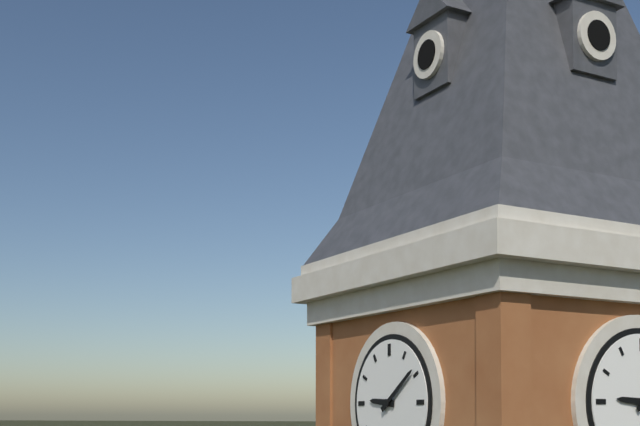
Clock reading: **9:09**
